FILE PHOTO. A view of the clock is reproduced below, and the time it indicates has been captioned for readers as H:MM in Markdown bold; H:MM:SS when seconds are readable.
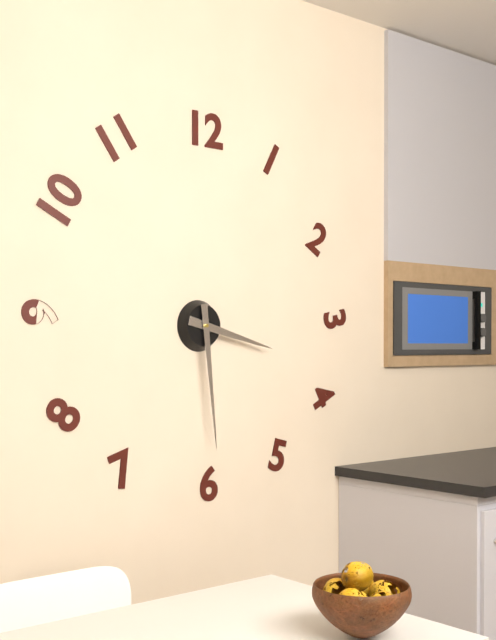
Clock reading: **3:29**
